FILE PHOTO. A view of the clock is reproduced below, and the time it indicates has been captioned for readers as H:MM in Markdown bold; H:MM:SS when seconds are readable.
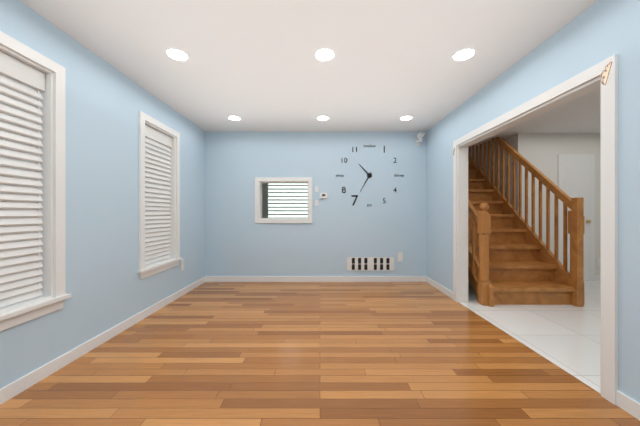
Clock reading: **10:35**
